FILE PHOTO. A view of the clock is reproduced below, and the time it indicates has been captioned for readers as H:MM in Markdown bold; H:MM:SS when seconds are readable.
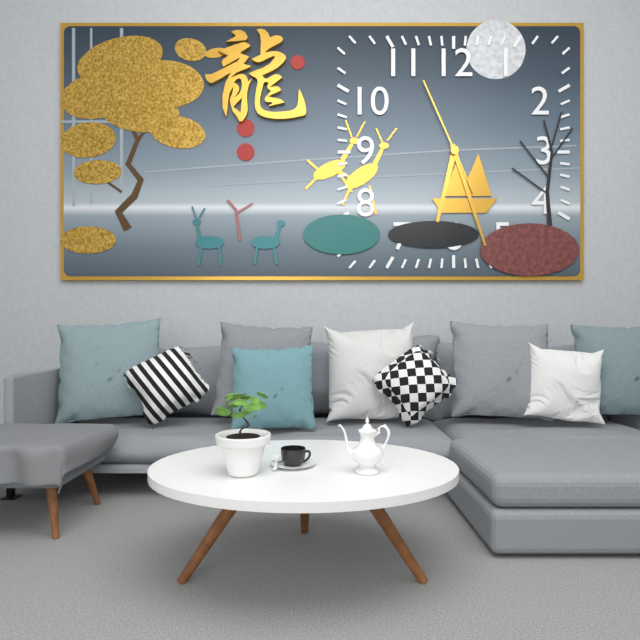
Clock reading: **6:27:56**
